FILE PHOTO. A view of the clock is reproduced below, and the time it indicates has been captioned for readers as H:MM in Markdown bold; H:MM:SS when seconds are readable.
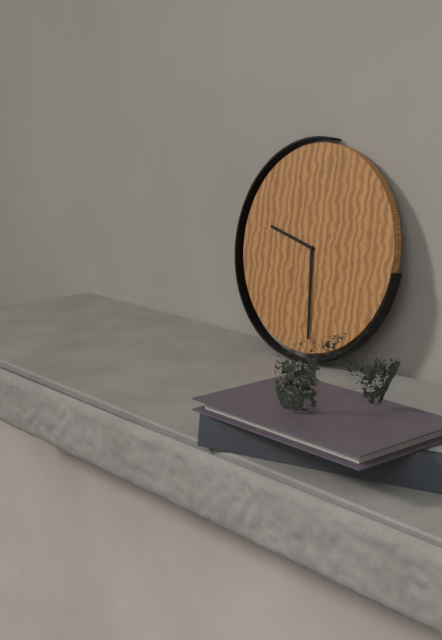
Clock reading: **9:29**
